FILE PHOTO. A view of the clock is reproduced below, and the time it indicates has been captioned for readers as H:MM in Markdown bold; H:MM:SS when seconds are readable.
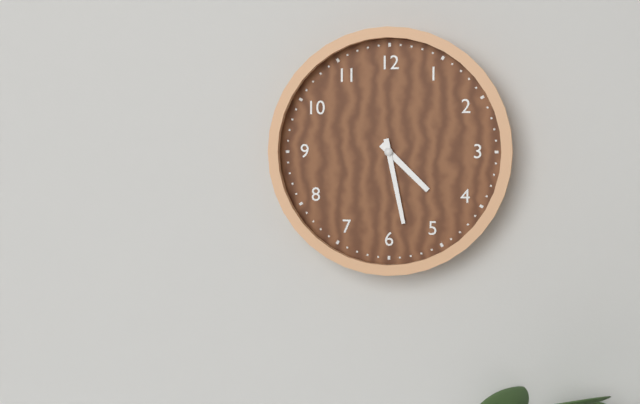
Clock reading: **4:28**
